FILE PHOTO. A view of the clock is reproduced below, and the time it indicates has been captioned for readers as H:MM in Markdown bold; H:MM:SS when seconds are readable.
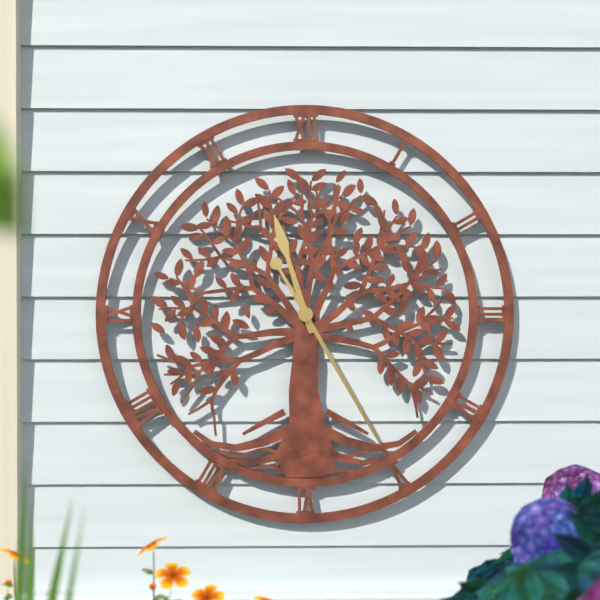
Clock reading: **11:25**
